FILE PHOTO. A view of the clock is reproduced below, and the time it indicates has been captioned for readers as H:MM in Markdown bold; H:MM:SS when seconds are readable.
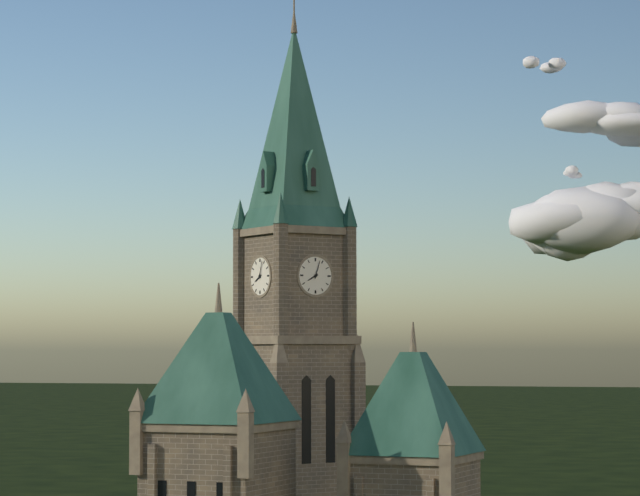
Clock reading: **8:03**
